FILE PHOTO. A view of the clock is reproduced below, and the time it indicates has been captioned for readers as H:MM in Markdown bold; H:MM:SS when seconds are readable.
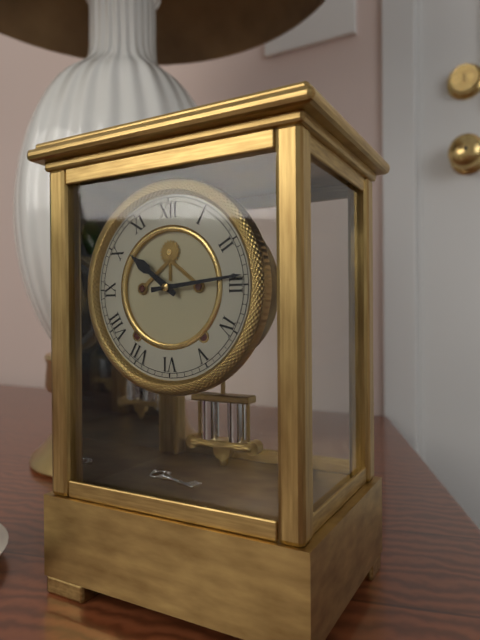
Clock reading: **10:14**
